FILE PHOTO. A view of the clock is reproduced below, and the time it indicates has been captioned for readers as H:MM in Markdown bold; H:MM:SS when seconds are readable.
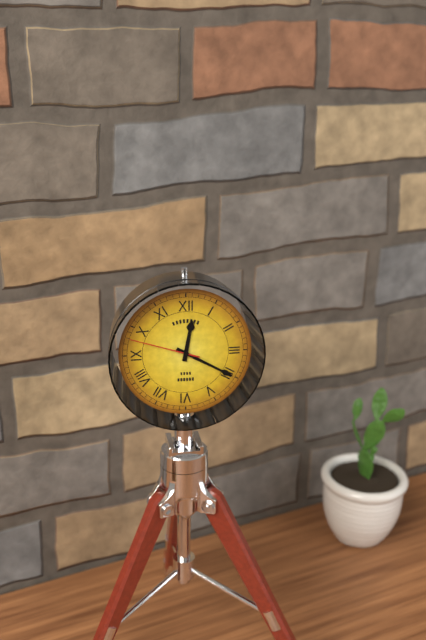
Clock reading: **12:20:48**
